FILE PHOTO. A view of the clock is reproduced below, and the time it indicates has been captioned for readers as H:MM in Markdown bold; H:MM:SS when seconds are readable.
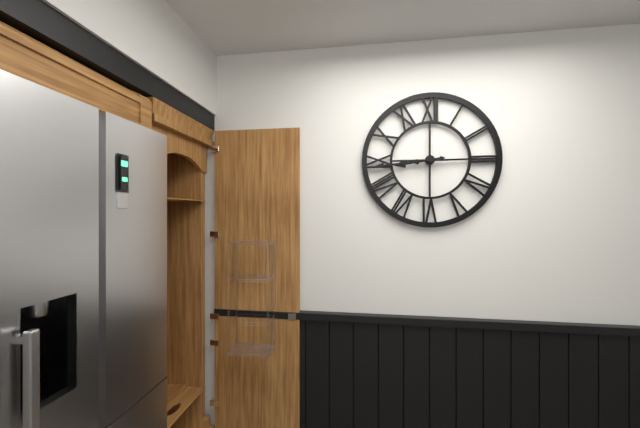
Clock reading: **8:44**
